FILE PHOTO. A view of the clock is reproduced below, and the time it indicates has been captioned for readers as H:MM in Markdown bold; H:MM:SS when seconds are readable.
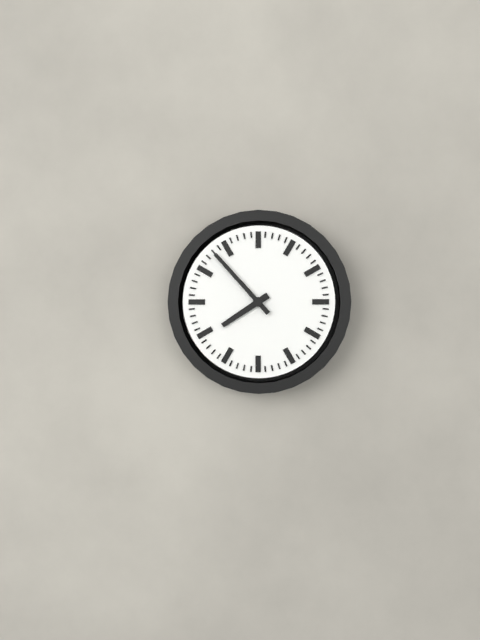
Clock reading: **7:53**
